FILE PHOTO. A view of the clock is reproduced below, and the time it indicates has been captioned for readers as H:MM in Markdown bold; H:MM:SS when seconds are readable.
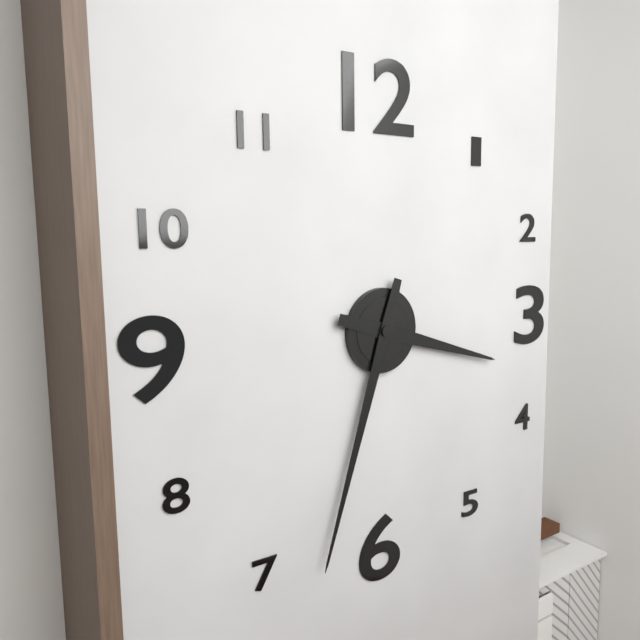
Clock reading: **3:33**
